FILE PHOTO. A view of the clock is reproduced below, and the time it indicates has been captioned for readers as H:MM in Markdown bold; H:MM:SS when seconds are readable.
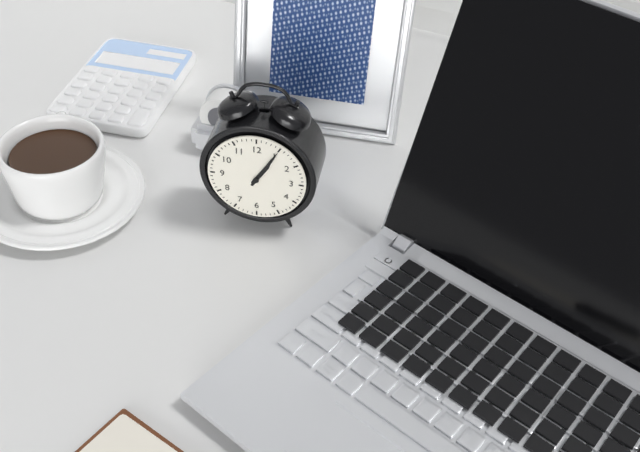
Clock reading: **1:05**
